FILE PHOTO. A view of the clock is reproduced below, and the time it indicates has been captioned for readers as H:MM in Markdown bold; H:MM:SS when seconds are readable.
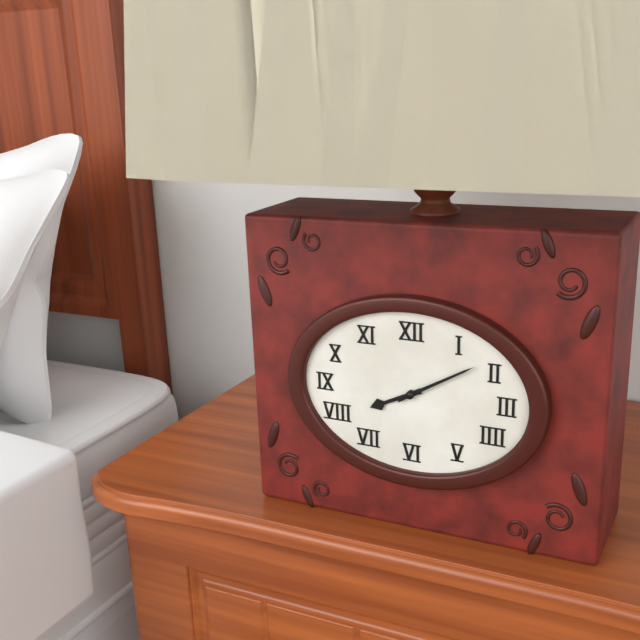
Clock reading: **8:10**
